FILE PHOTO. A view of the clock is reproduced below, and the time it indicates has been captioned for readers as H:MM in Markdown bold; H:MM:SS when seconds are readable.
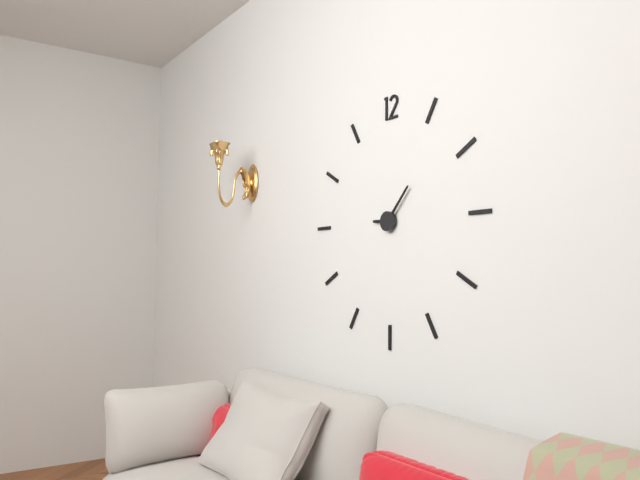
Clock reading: **9:07**
